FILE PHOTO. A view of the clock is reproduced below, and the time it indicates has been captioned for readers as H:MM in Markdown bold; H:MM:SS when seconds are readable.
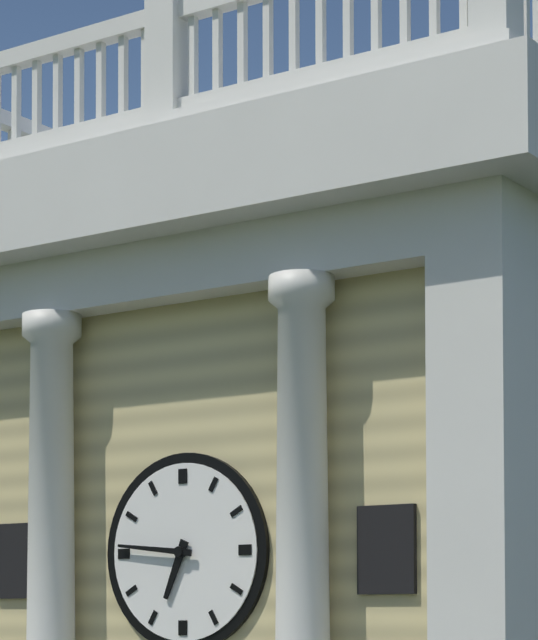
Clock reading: **6:46**
